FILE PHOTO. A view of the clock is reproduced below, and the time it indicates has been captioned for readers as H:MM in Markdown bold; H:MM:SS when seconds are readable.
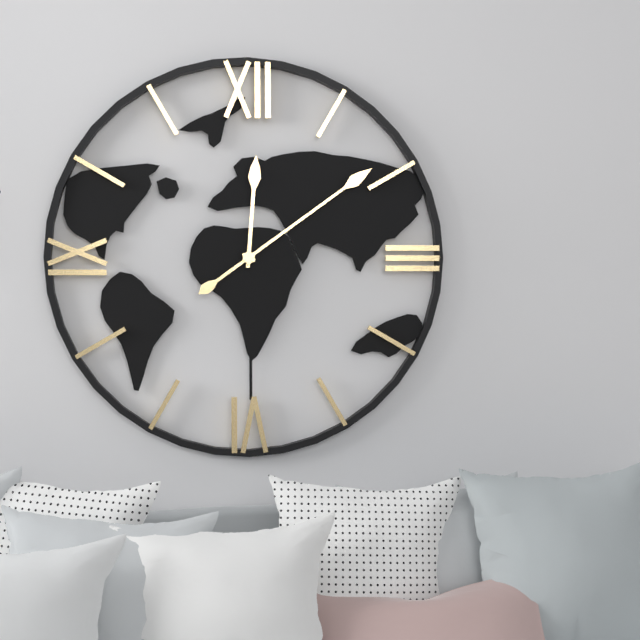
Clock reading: **12:09**
